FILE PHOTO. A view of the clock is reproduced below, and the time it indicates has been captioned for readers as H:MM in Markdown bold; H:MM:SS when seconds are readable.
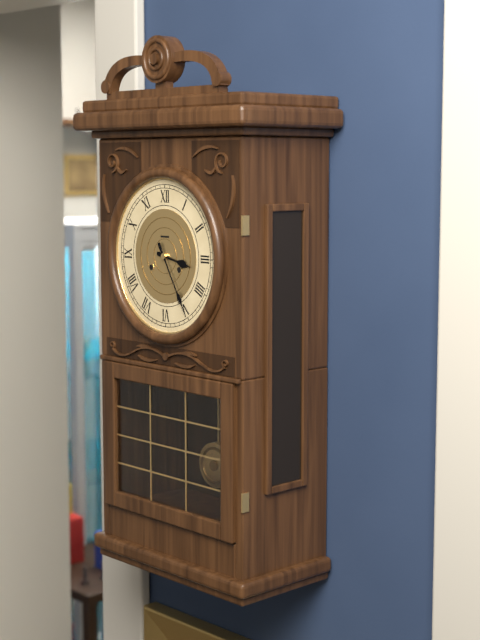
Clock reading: **3:25**
